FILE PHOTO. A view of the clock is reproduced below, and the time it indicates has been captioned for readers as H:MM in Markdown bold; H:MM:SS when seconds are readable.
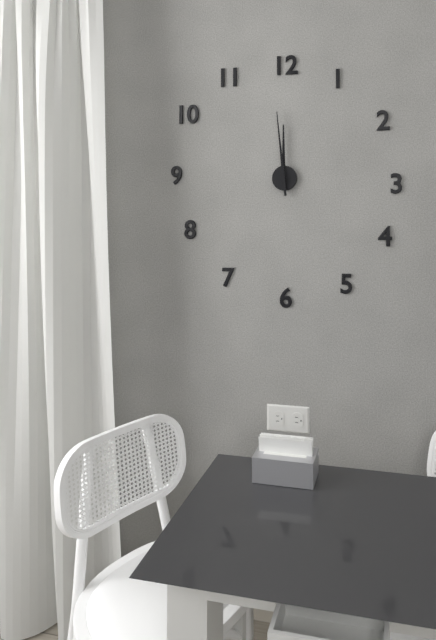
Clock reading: **11:59**
